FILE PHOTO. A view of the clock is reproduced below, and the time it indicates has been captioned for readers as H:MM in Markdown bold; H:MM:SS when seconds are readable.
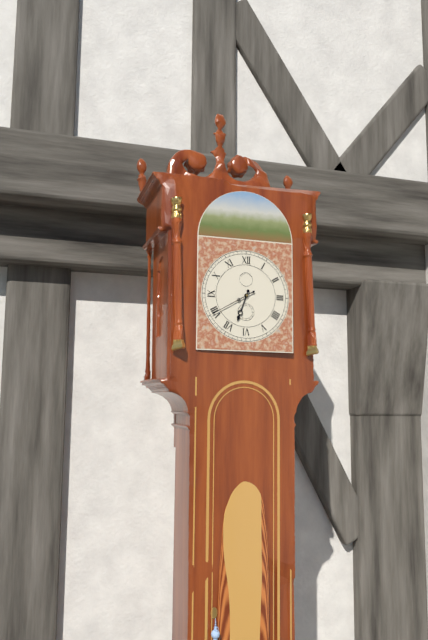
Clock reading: **6:40**
